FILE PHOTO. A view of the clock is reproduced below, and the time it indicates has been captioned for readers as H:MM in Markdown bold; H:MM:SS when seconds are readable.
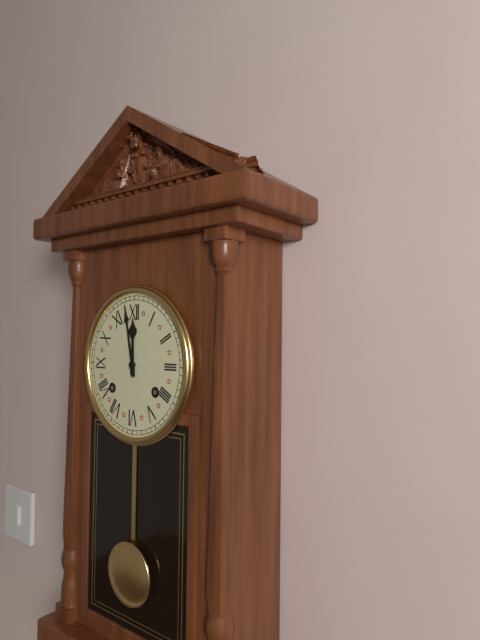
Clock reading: **11:58**
